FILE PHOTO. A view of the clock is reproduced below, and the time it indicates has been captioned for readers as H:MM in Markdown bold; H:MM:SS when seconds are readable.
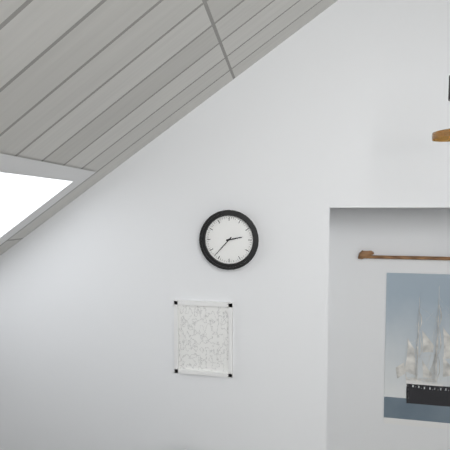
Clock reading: **2:37**
